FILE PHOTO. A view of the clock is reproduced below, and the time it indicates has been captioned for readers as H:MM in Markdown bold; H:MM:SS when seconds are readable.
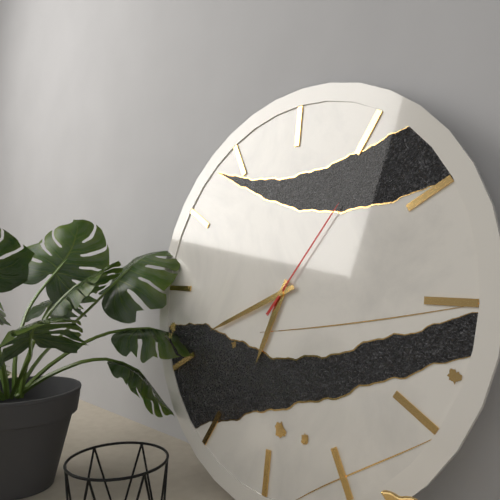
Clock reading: **6:41:06**
